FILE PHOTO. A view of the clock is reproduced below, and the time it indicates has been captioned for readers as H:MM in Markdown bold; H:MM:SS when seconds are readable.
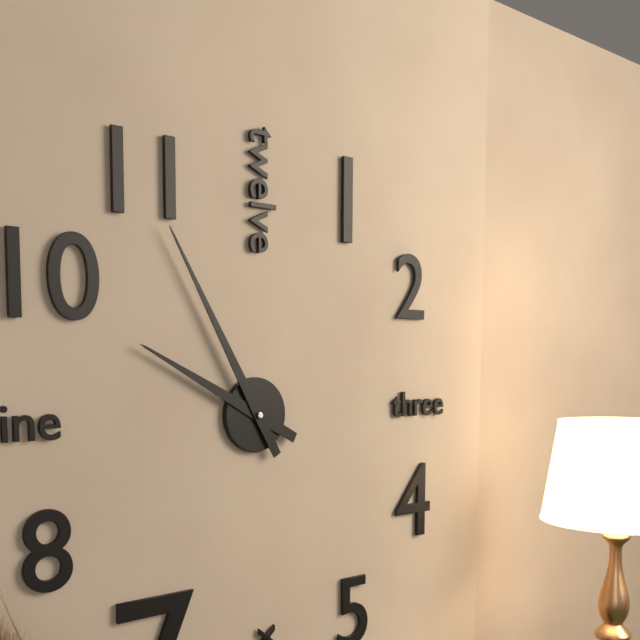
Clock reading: **9:55**
